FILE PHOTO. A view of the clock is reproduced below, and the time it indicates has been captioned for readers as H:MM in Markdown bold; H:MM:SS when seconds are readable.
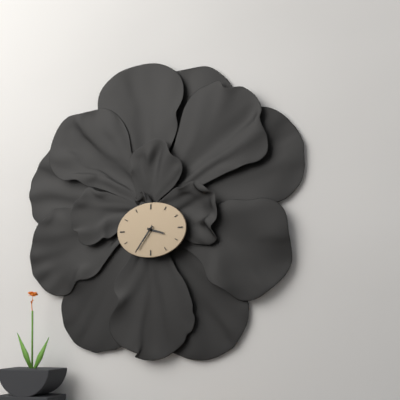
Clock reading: **3:36**
